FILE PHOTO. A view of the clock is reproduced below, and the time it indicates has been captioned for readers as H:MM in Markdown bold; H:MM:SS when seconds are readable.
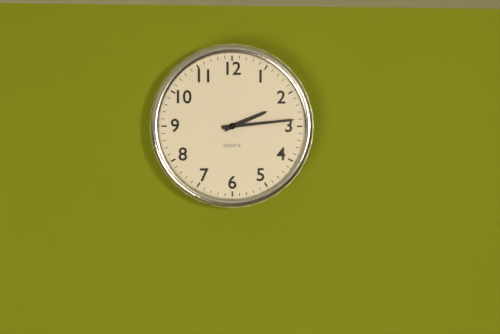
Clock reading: **2:14**
